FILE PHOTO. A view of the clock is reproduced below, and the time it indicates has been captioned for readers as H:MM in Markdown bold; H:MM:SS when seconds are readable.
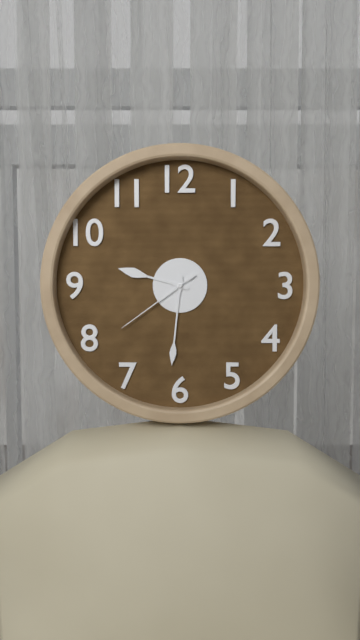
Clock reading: **9:31:39**
